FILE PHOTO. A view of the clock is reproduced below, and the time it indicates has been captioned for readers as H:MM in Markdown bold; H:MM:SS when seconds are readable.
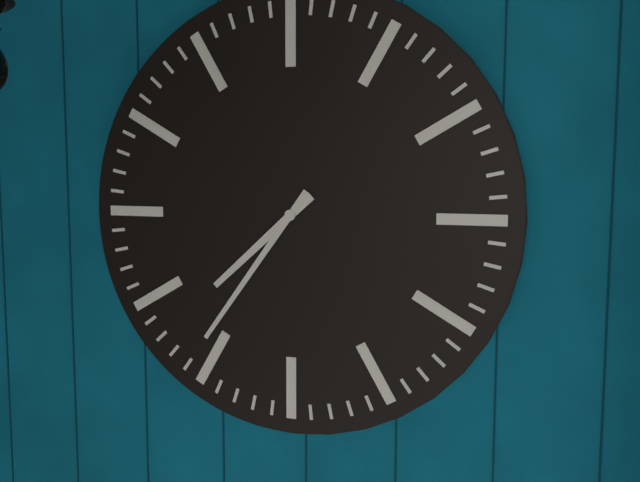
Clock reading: **7:36**
